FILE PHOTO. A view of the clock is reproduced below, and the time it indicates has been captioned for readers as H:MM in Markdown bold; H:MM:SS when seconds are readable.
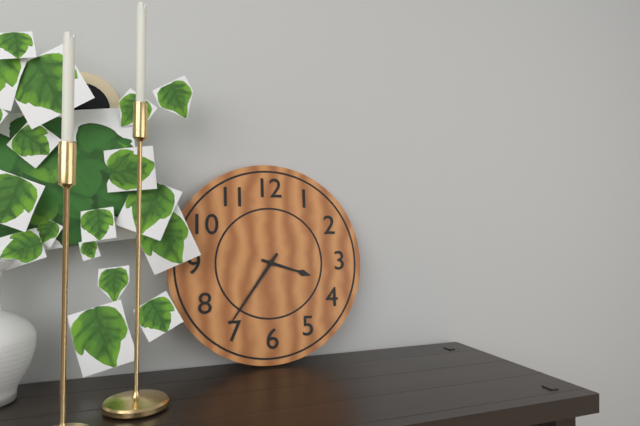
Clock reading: **3:36**
